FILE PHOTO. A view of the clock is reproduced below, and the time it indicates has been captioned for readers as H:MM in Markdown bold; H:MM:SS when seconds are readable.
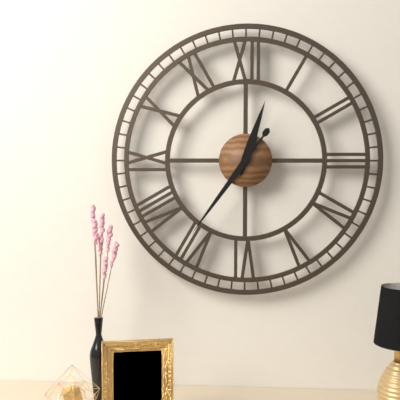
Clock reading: **12:36**
